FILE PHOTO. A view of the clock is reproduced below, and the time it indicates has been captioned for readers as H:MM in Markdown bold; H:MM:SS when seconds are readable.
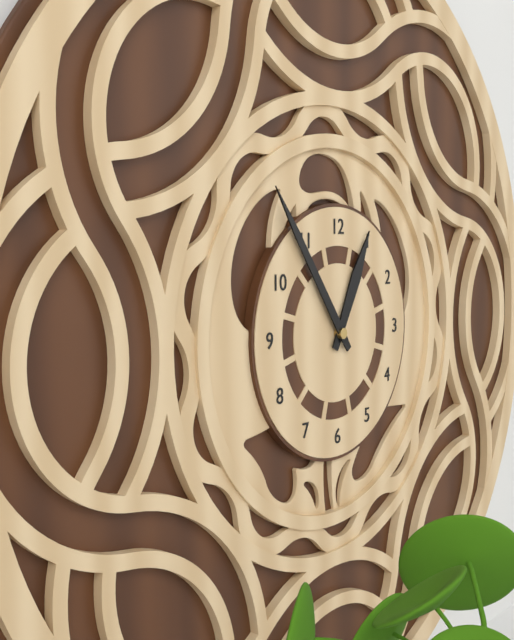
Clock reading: **12:54**
